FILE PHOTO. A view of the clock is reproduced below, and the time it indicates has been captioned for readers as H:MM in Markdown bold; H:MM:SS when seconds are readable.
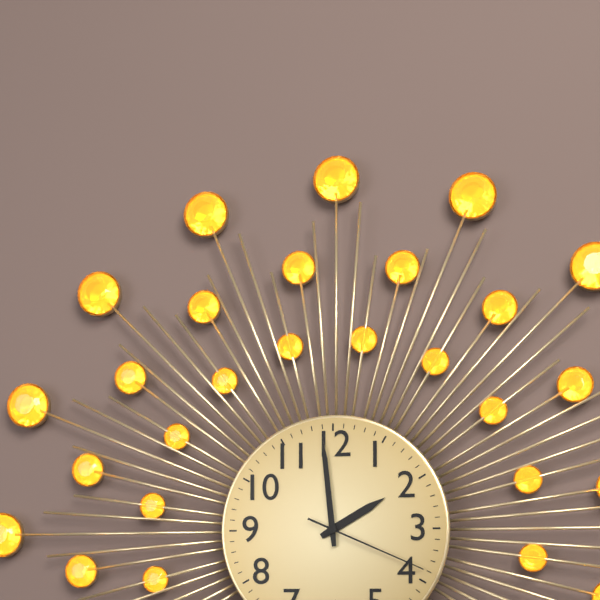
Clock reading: **1:59:19**
